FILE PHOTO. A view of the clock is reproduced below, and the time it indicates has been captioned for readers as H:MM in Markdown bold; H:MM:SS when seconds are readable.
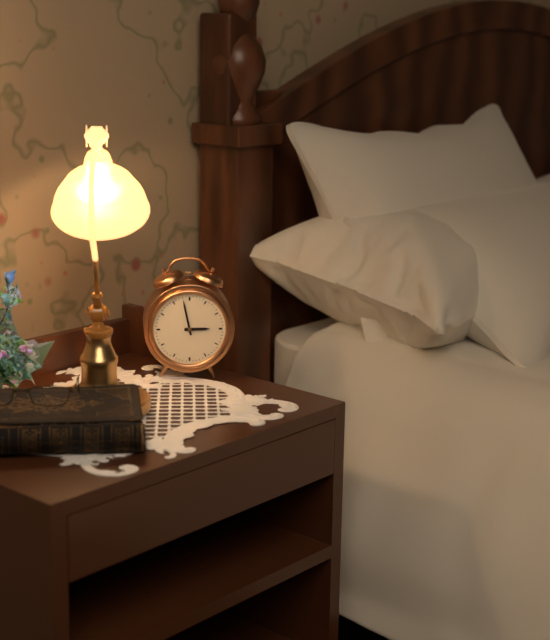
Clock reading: **2:58**
